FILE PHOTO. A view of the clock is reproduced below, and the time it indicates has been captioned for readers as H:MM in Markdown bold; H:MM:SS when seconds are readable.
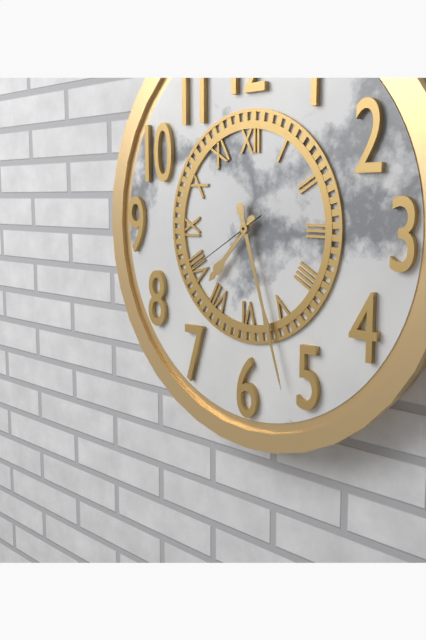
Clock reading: **7:27:40**
